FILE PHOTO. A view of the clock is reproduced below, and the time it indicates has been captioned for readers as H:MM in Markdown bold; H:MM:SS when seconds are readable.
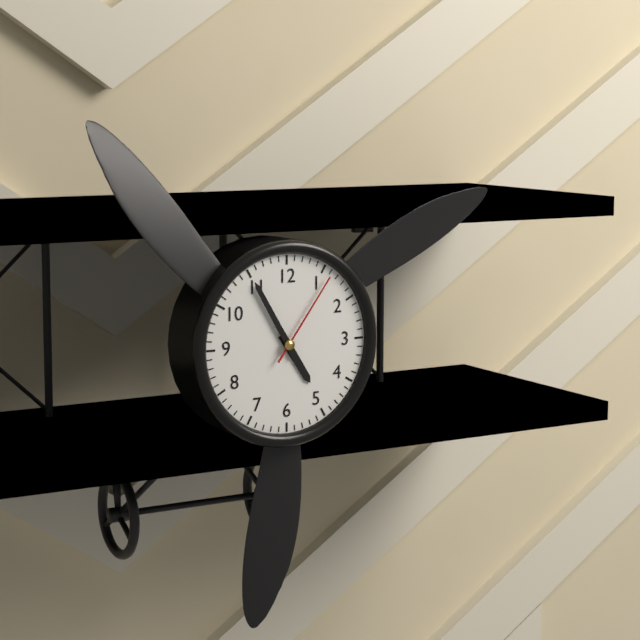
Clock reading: **4:55:06**
